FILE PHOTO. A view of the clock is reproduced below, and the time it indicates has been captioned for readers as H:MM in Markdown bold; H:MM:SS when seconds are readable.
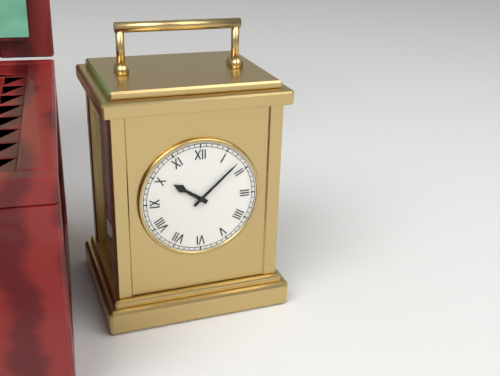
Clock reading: **10:08**
